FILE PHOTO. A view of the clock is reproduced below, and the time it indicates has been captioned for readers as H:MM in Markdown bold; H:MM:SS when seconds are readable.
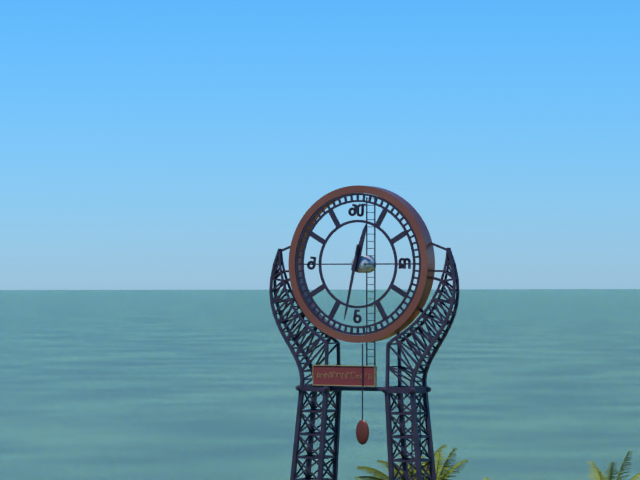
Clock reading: **12:32**
